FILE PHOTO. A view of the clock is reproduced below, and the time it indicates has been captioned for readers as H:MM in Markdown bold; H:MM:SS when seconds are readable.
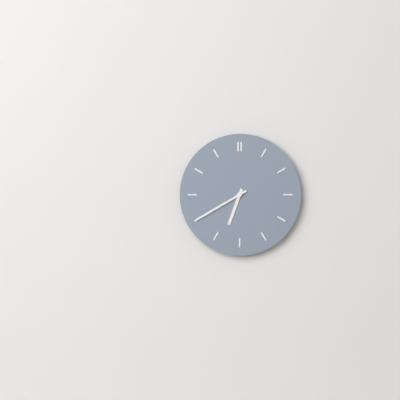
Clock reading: **6:40**
